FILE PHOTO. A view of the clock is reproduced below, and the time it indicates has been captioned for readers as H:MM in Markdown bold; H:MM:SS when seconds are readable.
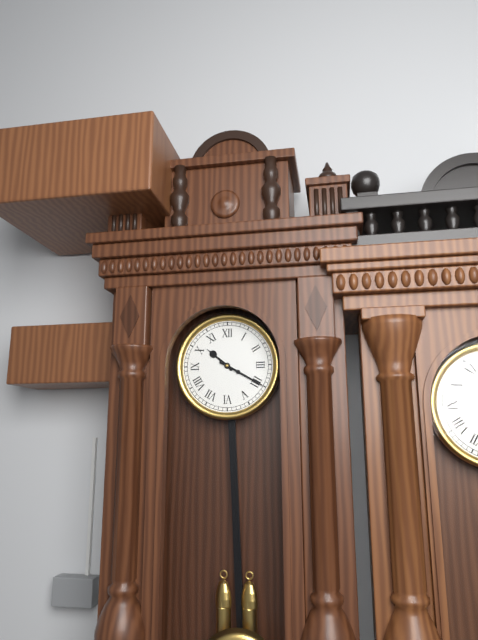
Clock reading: **10:20**
